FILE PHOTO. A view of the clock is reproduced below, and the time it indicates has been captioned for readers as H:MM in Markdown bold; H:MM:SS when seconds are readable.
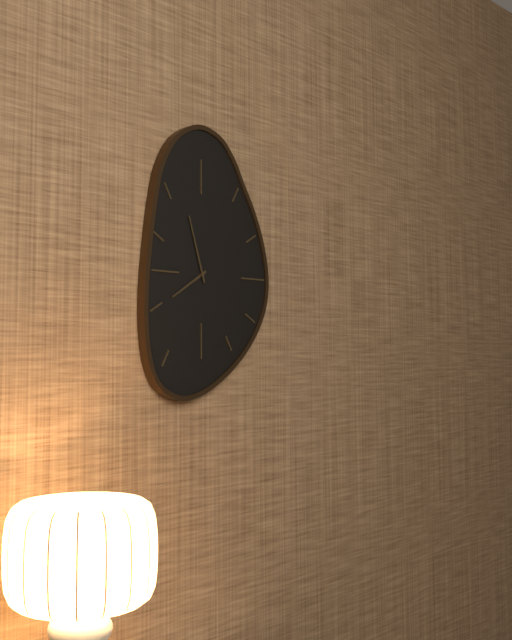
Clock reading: **7:57**
